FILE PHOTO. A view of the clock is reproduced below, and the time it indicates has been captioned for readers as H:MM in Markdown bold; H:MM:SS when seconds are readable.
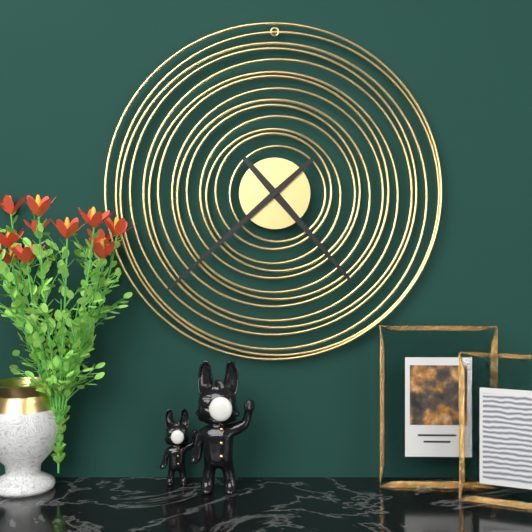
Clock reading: **4:38**
